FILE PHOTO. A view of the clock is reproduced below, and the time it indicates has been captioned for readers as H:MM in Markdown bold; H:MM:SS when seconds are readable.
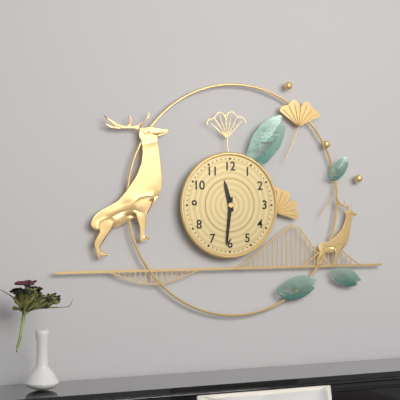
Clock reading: **11:31**
